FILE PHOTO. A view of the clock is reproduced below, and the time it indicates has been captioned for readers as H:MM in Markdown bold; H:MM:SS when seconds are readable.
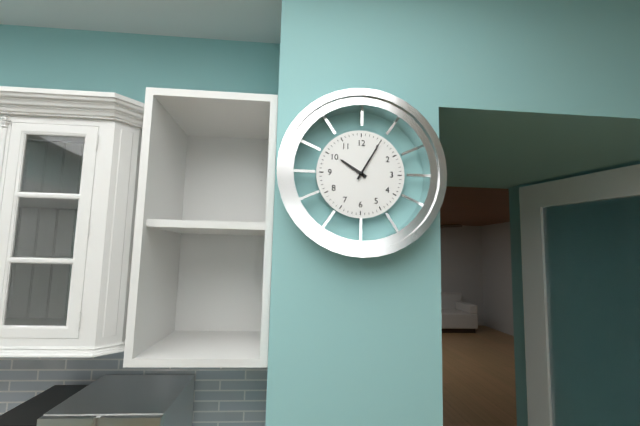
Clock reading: **10:05**
